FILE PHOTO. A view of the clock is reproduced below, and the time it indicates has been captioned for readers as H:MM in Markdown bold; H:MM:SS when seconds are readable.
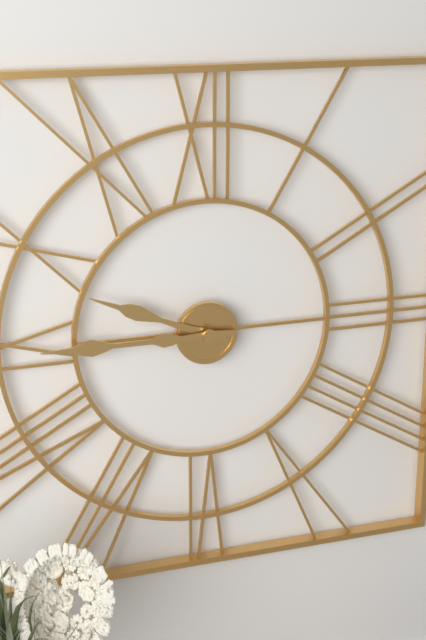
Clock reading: **9:45**
